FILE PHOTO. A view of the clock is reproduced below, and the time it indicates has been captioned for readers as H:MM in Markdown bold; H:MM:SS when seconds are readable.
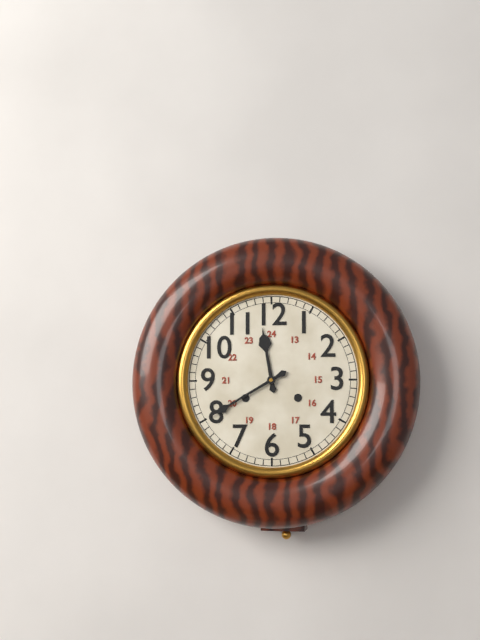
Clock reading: **11:40**
